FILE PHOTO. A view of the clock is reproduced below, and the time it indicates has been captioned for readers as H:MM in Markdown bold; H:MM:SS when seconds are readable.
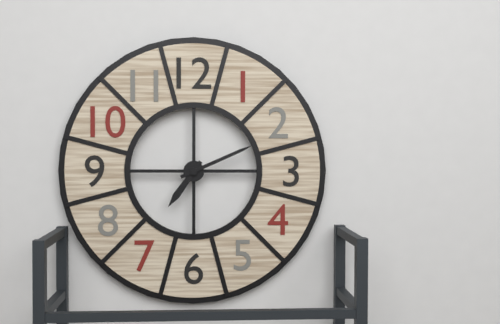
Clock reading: **7:11**
